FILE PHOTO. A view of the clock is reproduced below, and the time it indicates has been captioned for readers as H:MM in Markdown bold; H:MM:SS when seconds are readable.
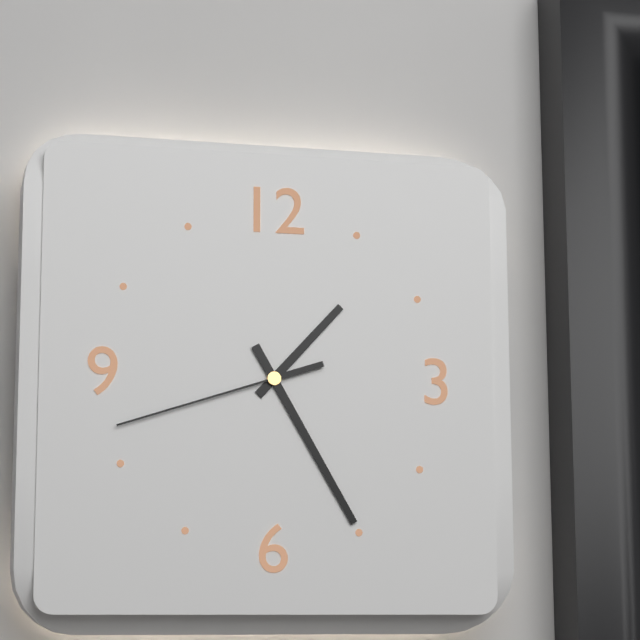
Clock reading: **1:25:42**
